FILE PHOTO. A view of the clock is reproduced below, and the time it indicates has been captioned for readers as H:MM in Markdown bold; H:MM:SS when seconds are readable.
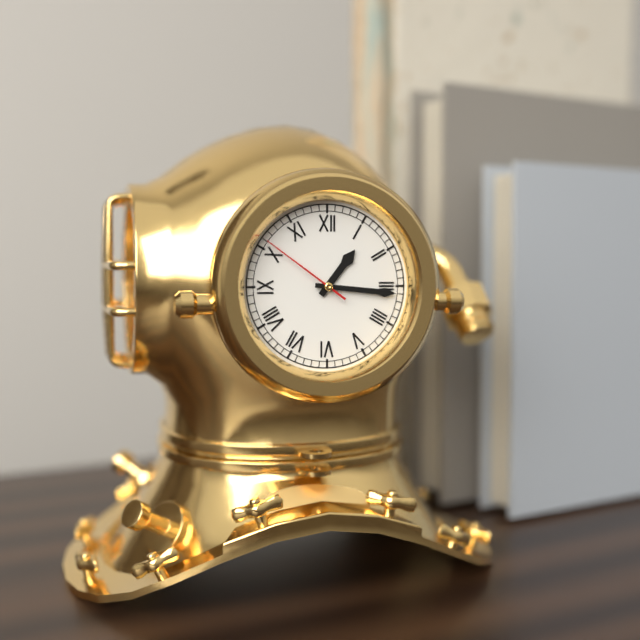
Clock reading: **1:16:51**
